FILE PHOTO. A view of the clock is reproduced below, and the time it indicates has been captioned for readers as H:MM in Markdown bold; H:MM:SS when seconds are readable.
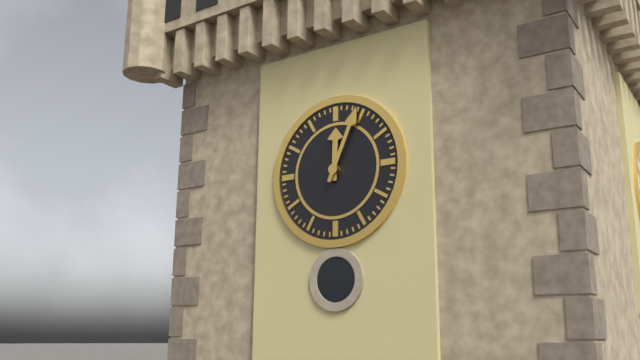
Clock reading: **12:04**
